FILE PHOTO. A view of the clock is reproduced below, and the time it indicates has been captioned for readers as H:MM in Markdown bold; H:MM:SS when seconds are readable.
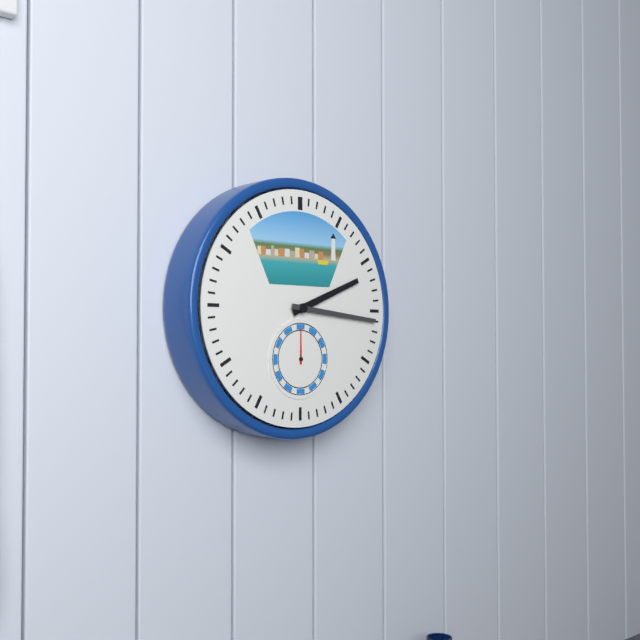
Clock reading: **2:16**
